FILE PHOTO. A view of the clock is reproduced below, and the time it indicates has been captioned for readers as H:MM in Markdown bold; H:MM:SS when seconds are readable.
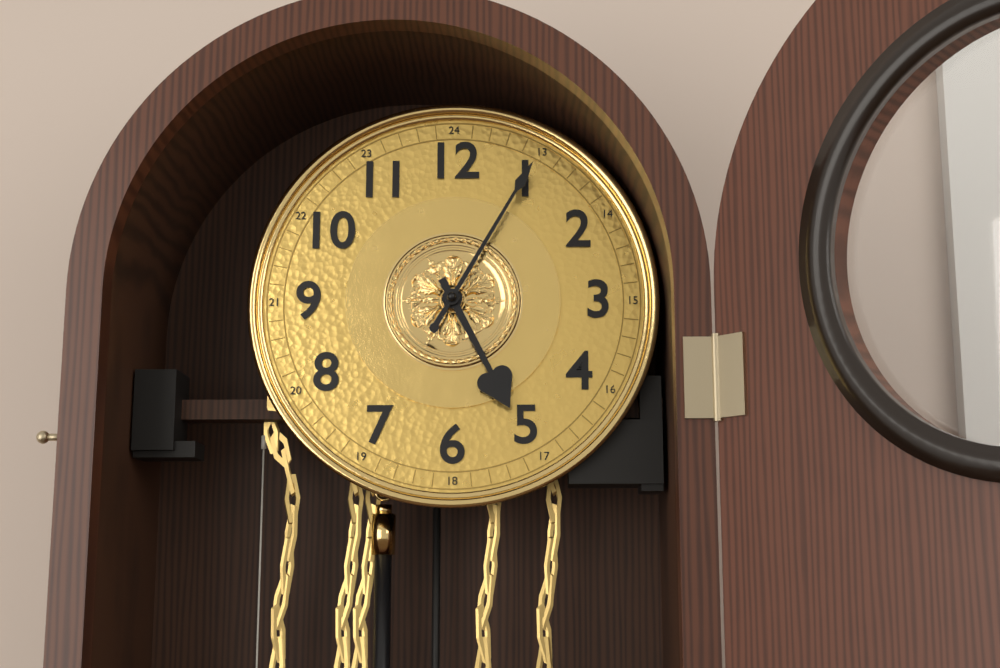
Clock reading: **5:05**
